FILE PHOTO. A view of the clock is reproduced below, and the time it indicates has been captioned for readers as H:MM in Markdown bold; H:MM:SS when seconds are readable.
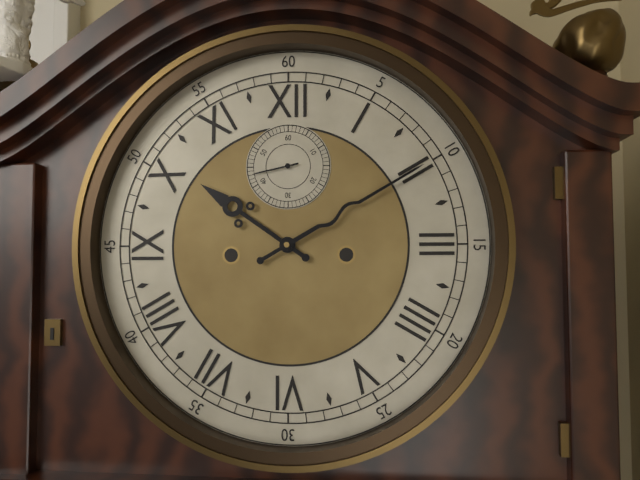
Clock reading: **10:10**
